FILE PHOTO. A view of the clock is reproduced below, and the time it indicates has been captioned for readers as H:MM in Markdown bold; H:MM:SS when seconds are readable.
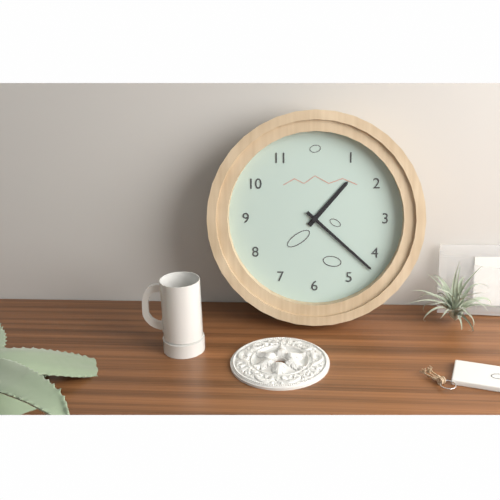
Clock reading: **1:22**
